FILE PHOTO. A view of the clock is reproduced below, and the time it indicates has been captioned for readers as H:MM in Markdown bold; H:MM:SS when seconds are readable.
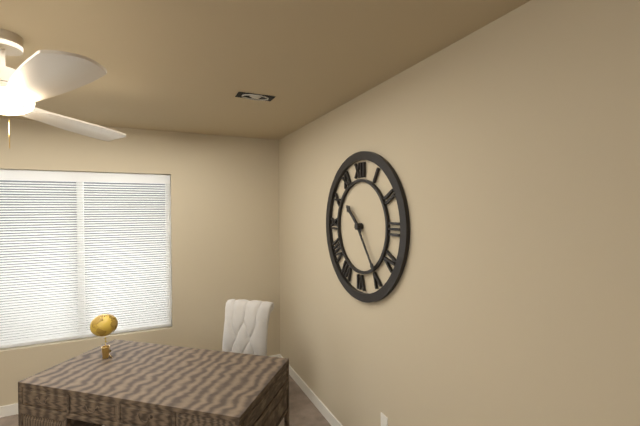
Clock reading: **10:24**
